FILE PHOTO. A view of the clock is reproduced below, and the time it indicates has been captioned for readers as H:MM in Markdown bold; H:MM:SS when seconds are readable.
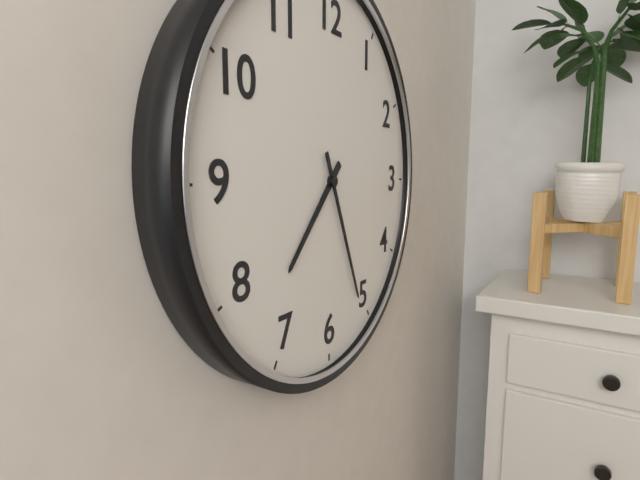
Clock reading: **7:26**
